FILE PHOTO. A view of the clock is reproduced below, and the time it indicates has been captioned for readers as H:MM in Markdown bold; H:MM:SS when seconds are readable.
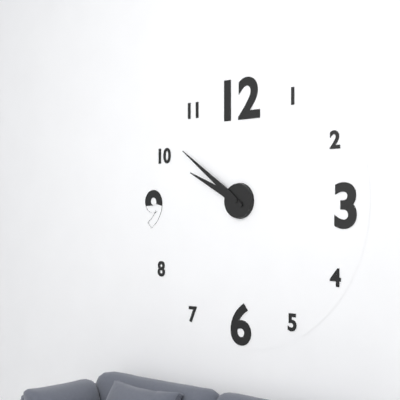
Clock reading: **9:51**
